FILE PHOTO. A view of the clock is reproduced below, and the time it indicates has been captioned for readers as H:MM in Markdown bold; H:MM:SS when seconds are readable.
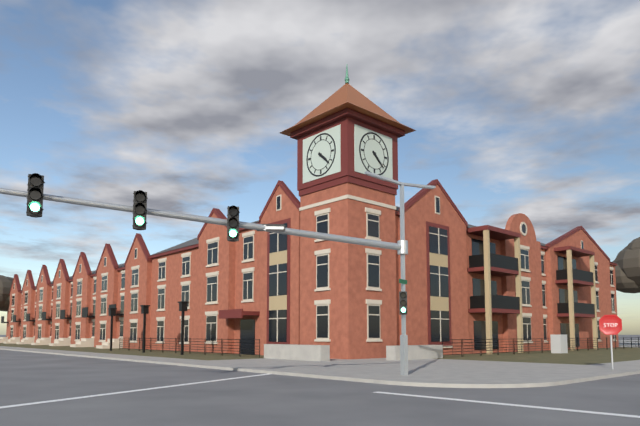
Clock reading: **4:22**
